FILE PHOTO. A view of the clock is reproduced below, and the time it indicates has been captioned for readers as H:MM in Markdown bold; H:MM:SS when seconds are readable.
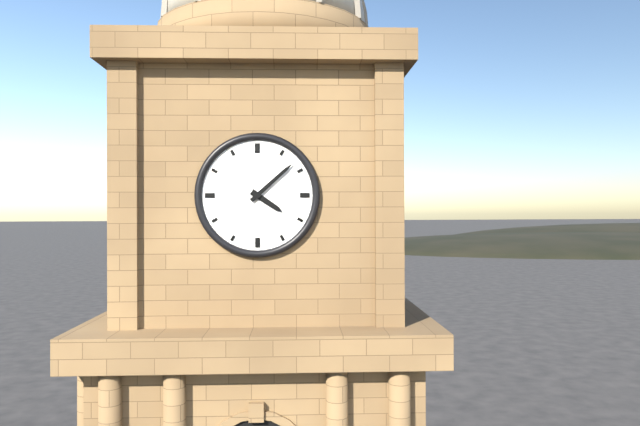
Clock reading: **4:08**
